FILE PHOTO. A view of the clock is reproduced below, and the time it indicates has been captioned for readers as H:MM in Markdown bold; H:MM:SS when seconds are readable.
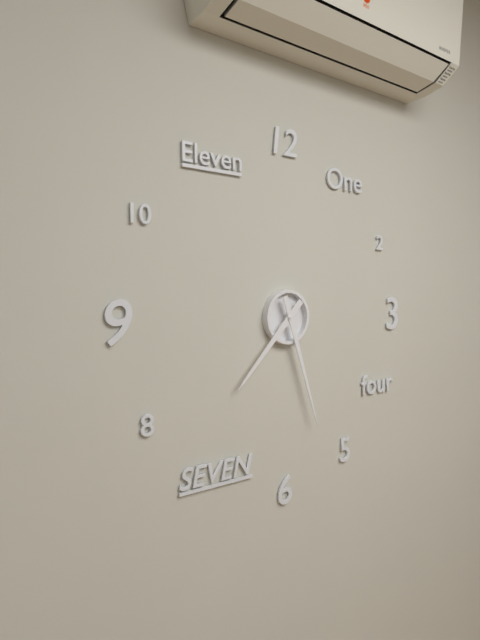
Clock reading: **7:27**
